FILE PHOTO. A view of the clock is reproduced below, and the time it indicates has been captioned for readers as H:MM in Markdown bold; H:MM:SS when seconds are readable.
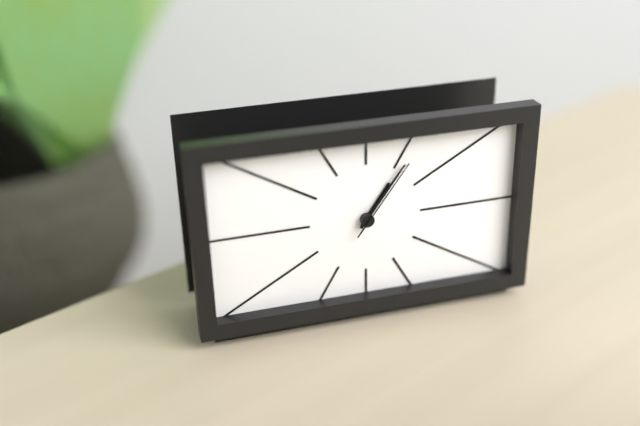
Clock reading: **1:06:06**
